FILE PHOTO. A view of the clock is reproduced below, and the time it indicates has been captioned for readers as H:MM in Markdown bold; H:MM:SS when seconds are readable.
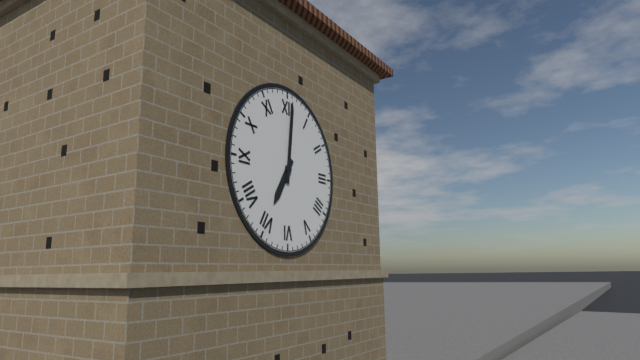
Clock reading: **7:01**
